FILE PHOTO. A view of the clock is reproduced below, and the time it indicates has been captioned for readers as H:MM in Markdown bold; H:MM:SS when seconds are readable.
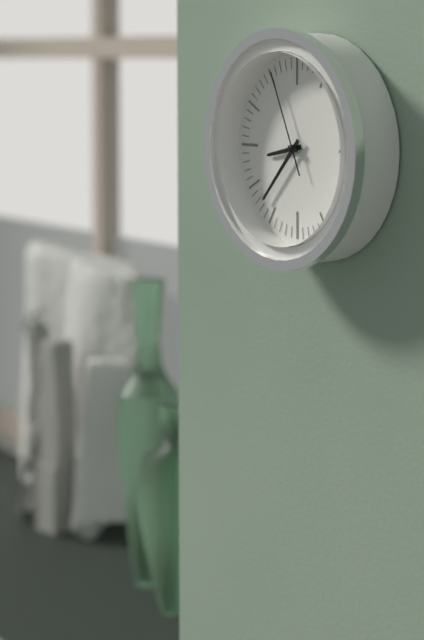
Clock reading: **8:37:56**
